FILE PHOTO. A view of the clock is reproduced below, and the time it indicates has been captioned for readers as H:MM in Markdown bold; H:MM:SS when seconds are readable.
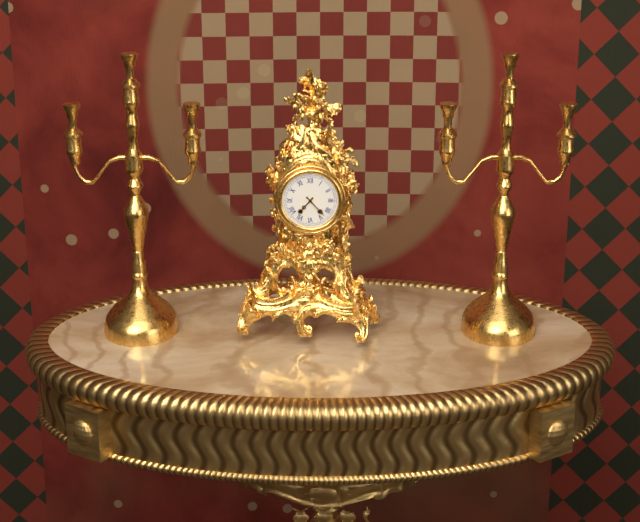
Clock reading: **7:23**
